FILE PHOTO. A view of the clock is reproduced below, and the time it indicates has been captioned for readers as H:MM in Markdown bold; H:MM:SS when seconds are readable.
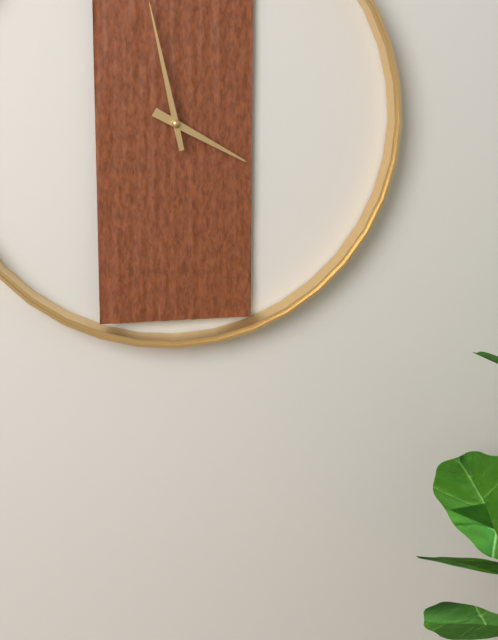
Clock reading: **3:58**
